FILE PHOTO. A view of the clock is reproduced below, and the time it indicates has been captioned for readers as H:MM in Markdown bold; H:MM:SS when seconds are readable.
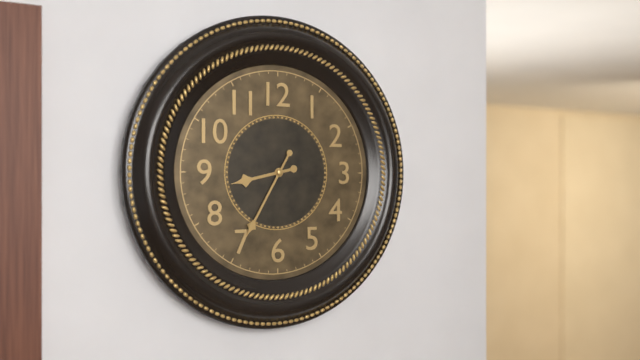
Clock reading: **8:35**
